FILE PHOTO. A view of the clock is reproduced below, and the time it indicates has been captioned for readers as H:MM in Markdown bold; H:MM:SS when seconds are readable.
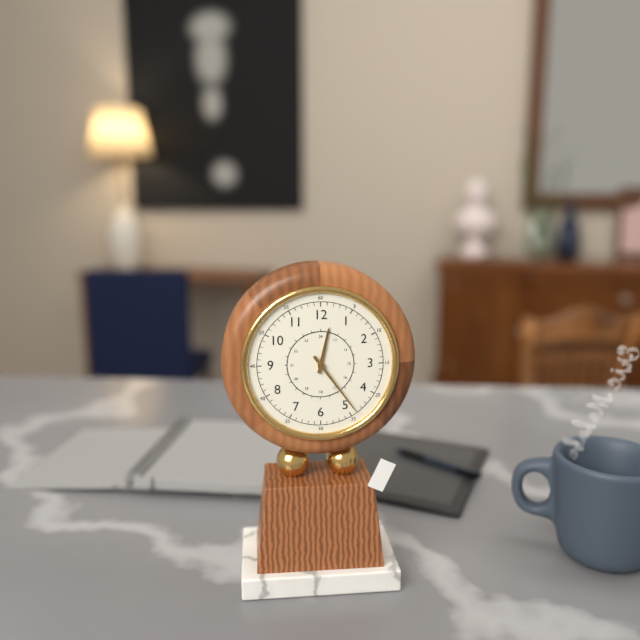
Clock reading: **12:24**
